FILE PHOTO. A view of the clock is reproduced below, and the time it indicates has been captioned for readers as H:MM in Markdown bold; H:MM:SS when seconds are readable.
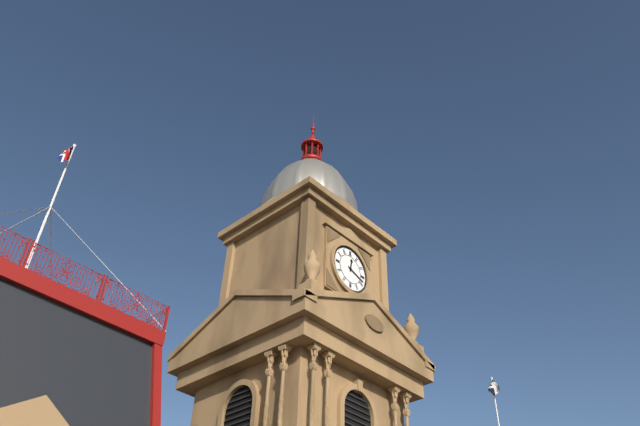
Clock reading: **12:18**
